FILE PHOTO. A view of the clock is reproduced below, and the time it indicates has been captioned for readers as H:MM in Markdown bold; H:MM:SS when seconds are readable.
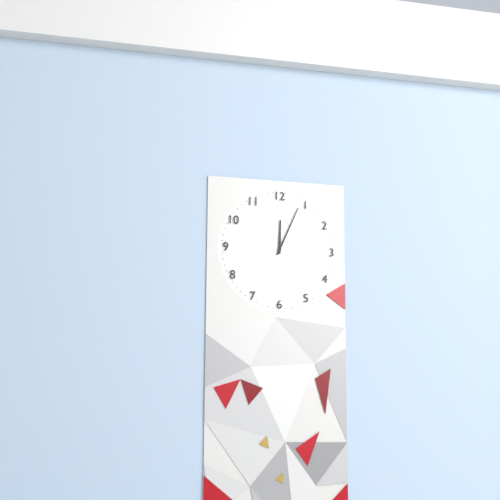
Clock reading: **12:04**
